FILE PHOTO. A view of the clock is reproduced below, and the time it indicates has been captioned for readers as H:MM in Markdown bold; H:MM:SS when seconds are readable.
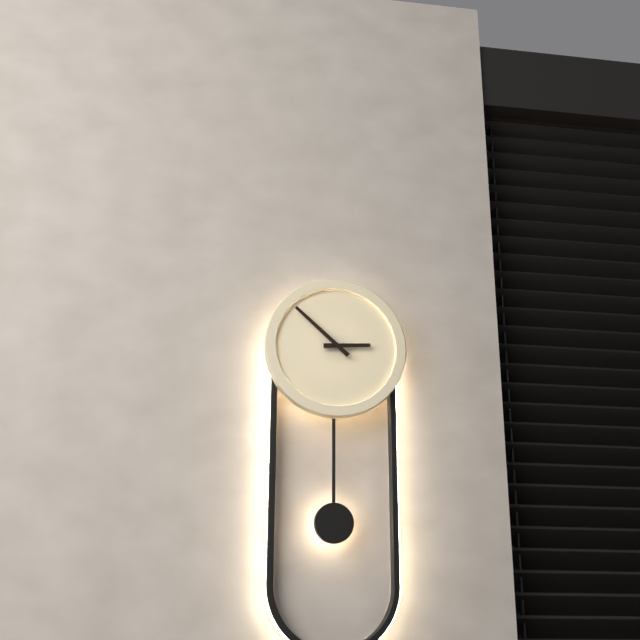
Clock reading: **2:52**
